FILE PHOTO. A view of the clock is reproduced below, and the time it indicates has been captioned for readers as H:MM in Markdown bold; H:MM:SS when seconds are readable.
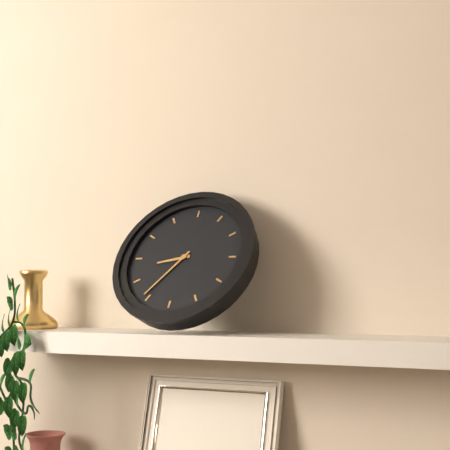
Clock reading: **8:36**
